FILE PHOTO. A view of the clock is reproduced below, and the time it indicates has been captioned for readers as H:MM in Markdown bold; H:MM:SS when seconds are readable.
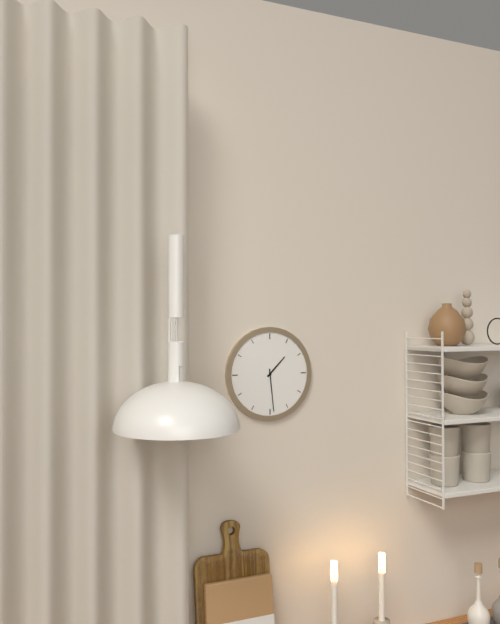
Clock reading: **1:29**
